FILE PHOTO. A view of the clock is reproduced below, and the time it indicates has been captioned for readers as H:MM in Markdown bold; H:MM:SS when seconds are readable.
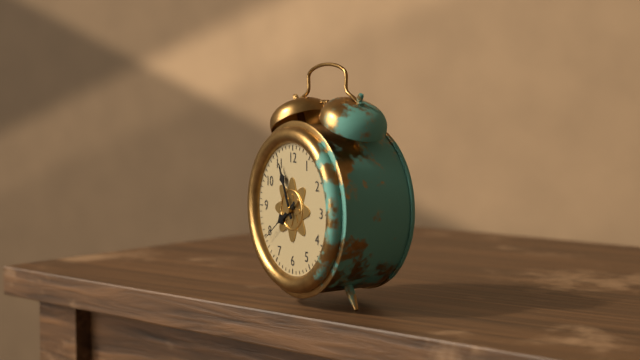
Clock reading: **7:56:39**
